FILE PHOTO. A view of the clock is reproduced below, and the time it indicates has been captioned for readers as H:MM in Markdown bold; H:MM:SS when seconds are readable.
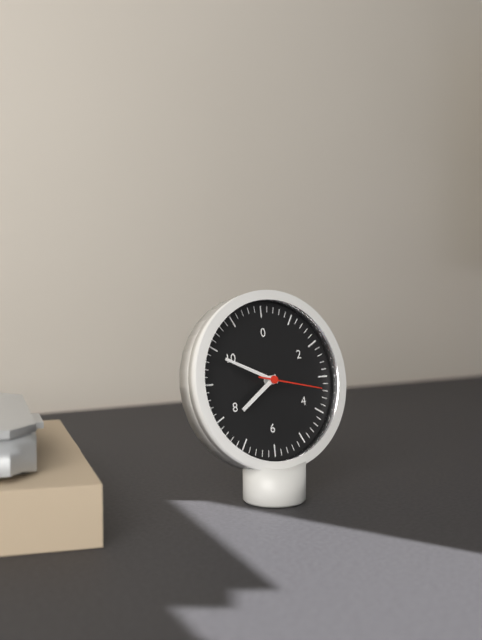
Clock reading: **7:49:17**
